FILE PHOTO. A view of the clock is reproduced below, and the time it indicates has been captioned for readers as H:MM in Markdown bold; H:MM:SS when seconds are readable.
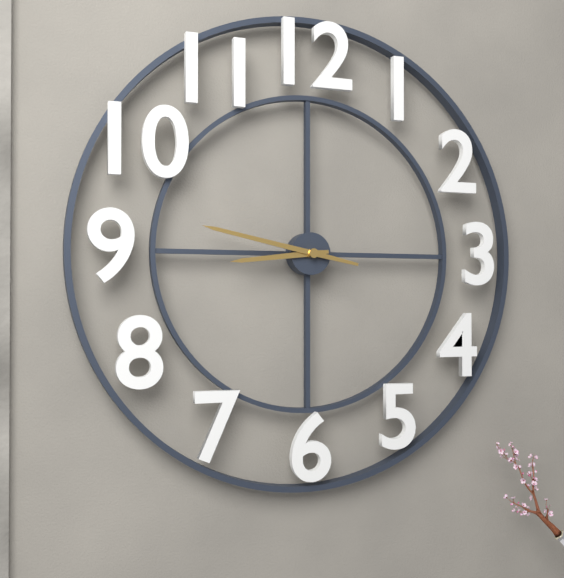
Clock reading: **8:47**
